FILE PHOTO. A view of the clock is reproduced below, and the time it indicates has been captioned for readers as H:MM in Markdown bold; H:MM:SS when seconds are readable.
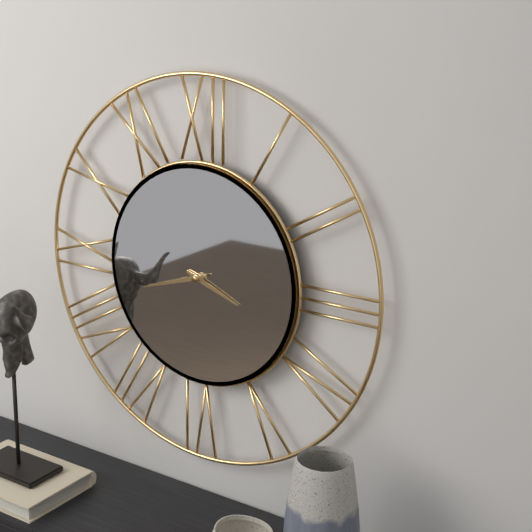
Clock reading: **3:42**
